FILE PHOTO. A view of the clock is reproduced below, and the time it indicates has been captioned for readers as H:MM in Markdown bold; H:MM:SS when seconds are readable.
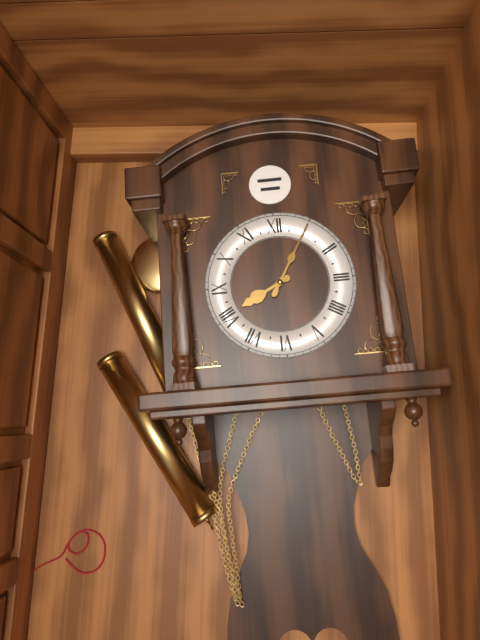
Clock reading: **8:05**
